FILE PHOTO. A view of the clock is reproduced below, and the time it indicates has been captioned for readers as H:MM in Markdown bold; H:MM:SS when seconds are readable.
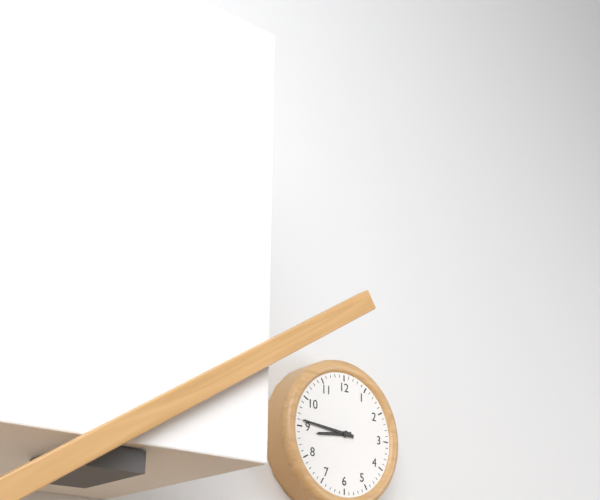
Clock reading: **8:46**
